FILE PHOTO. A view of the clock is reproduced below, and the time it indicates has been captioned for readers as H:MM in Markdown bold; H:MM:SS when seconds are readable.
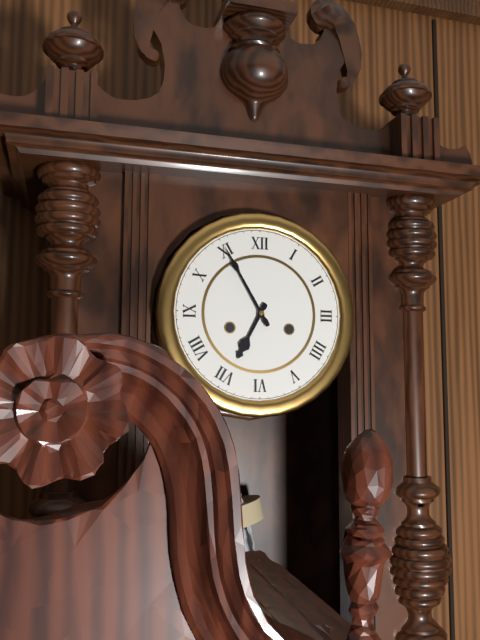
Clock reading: **6:55**
